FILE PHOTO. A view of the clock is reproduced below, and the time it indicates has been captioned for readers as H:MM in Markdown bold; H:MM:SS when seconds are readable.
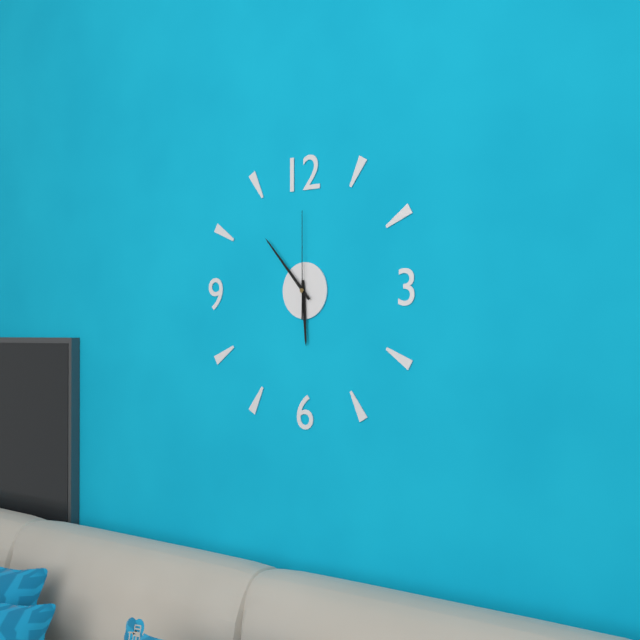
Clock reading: **5:53:00**
